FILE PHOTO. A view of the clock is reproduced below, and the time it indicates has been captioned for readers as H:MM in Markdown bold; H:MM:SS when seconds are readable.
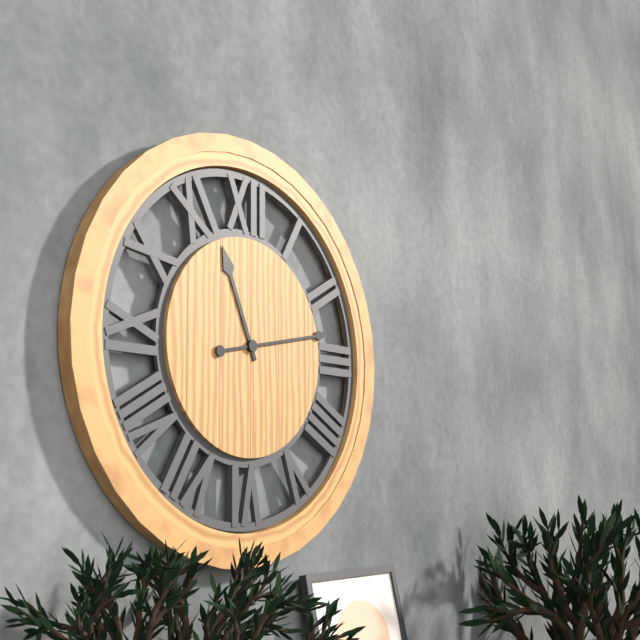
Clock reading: **11:13**
